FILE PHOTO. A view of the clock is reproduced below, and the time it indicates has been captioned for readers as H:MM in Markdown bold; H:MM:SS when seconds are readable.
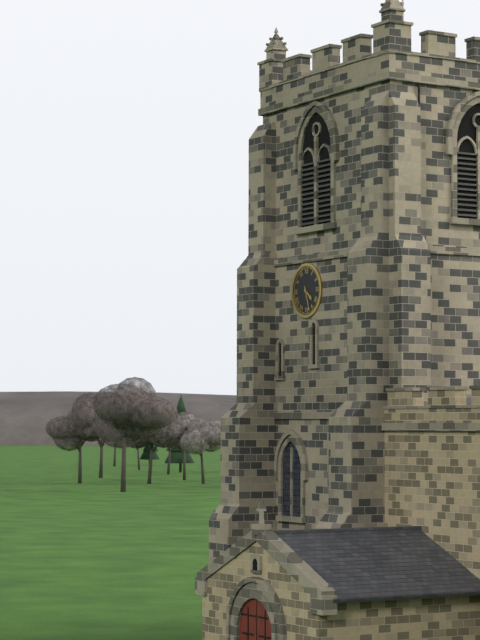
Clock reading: **4:27**
